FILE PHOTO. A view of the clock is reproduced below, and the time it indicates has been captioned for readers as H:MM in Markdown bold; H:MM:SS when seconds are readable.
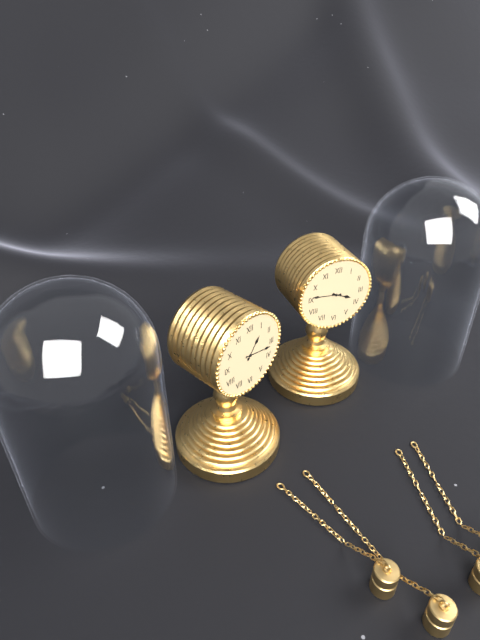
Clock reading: **1:17**
